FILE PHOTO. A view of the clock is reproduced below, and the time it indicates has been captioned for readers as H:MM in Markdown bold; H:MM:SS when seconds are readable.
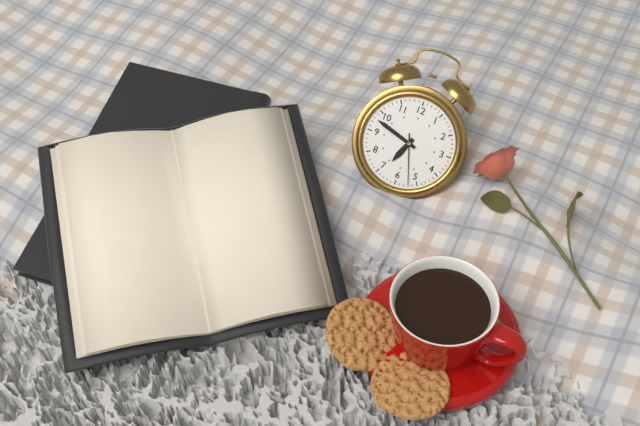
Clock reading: **6:48:27**
